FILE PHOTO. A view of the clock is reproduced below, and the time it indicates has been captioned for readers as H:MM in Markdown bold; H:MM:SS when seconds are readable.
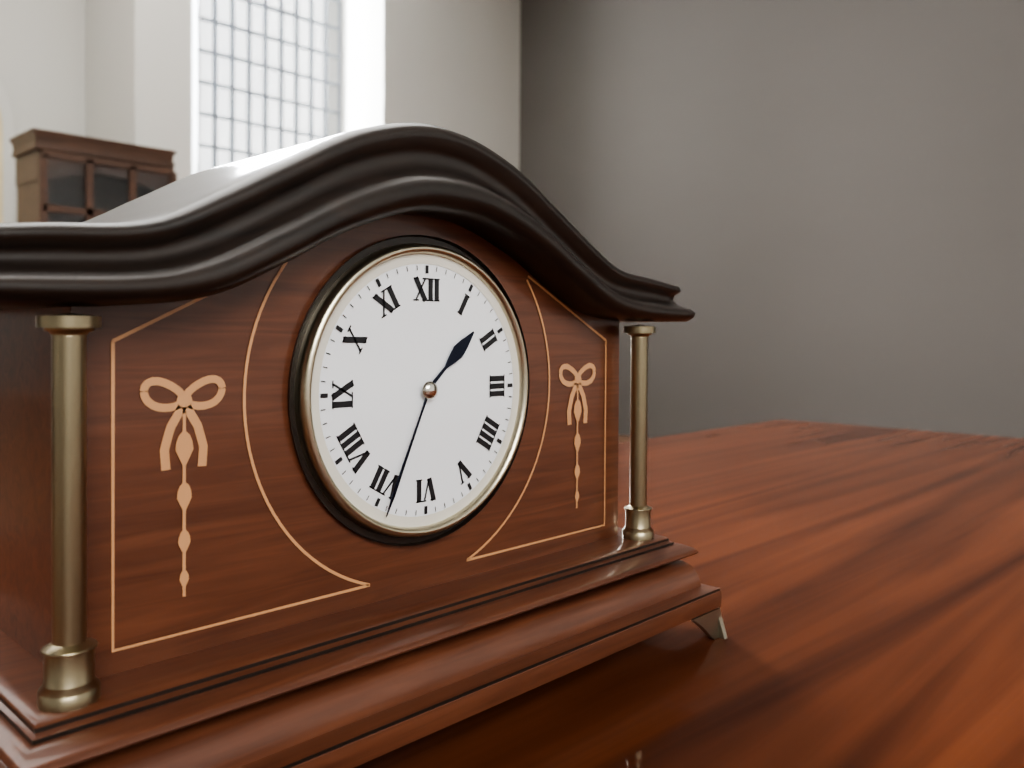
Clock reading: **1:34**
